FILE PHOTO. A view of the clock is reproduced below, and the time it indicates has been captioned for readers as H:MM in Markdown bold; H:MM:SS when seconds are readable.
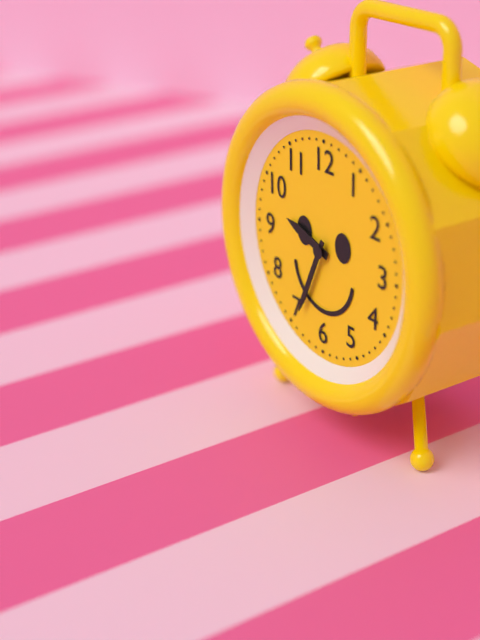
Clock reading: **9:34**
